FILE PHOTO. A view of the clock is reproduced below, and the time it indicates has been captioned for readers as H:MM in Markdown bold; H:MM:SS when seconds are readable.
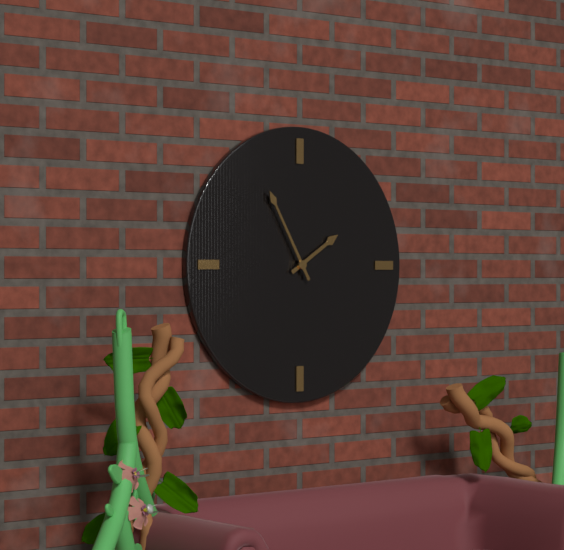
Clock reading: **1:55**
